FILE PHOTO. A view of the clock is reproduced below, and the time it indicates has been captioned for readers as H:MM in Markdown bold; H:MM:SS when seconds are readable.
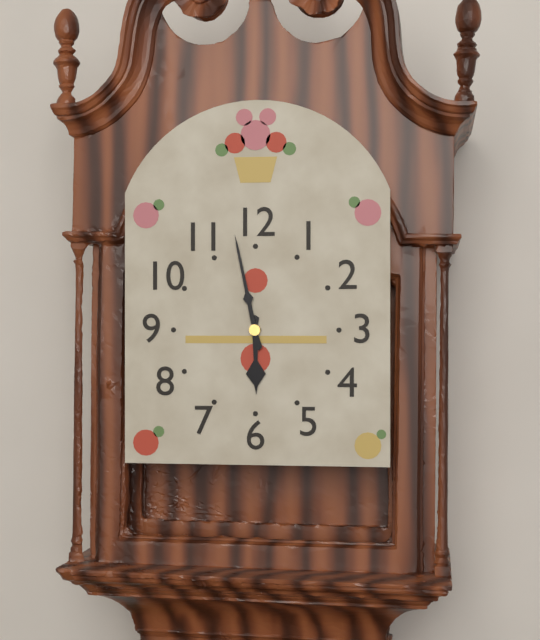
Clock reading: **5:58**
